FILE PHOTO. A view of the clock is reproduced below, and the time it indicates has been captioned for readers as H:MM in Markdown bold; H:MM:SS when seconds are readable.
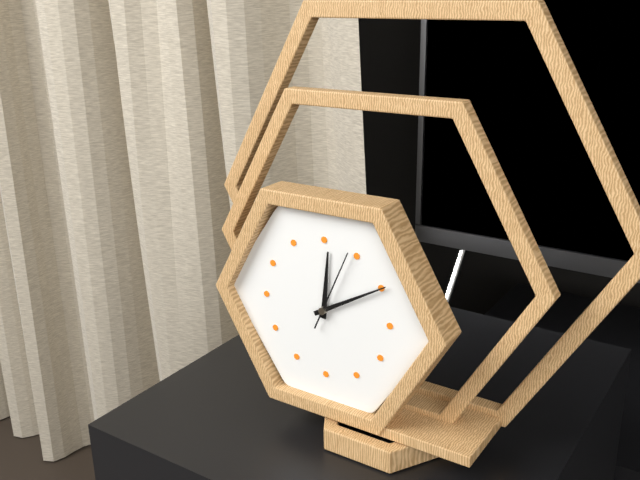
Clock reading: **12:10:04**
